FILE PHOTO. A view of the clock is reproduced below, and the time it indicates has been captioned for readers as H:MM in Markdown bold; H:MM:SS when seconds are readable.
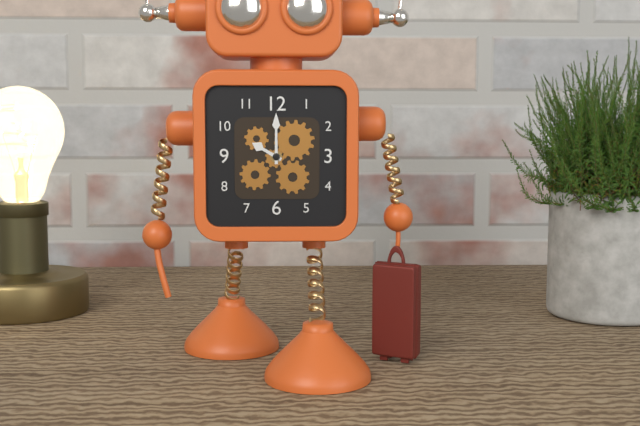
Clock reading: **10:00**
